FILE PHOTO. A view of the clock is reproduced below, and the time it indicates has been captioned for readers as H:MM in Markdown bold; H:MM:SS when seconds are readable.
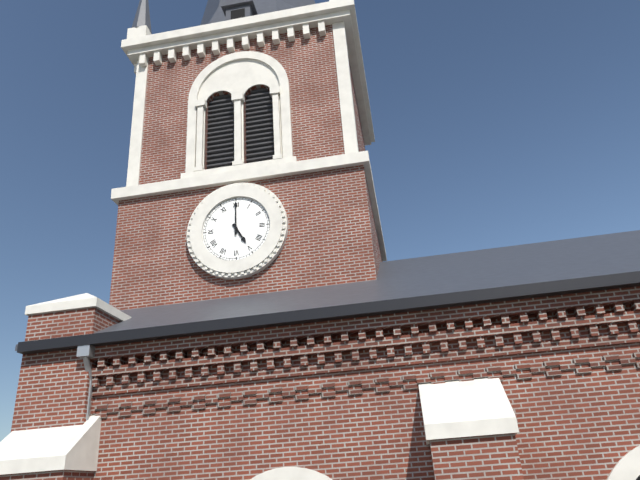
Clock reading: **5:00**
